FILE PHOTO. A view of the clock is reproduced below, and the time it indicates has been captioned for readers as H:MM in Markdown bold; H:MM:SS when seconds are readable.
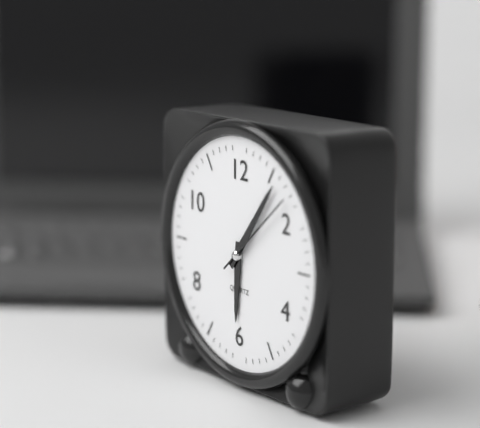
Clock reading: **6:06:08**
